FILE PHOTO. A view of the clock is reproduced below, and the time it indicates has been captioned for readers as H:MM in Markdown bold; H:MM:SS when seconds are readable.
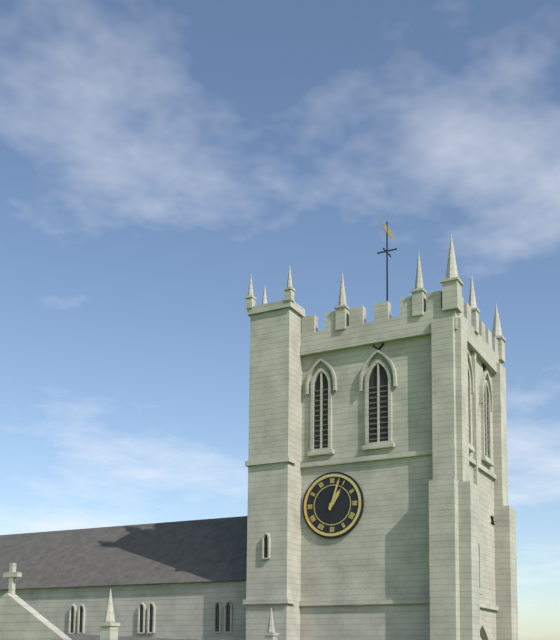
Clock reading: **1:03**
